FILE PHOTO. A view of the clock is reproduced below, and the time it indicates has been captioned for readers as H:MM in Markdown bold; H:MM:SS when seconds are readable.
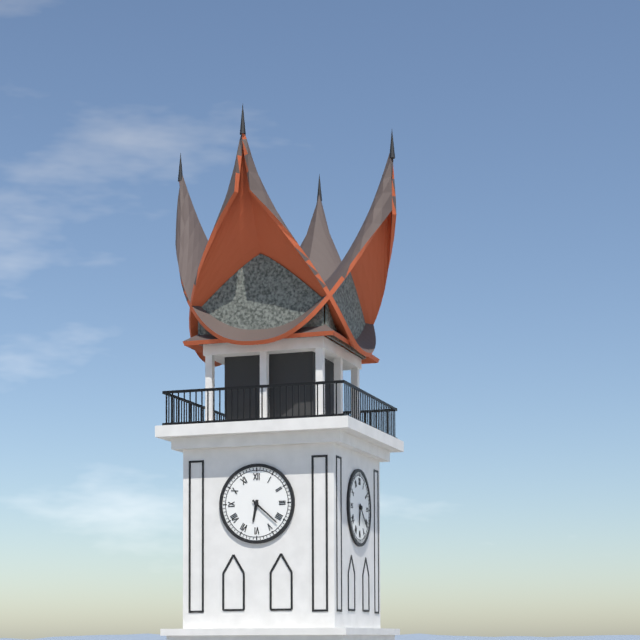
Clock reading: **6:22**
